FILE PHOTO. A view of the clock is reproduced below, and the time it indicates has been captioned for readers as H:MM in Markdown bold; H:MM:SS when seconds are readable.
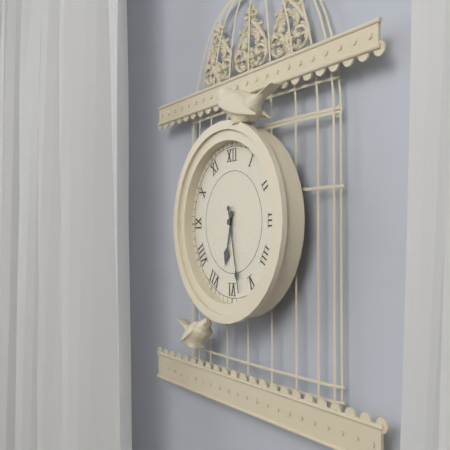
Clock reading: **6:28**
